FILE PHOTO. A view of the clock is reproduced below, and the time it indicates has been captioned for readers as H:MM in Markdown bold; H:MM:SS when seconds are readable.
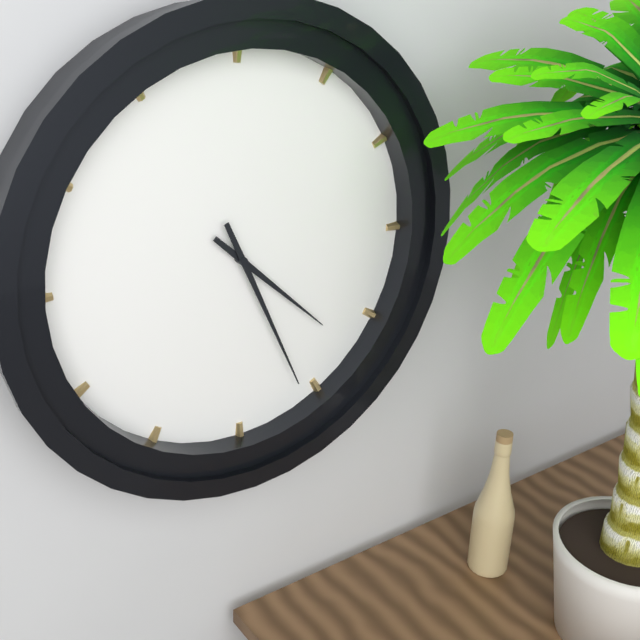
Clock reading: **4:26**
